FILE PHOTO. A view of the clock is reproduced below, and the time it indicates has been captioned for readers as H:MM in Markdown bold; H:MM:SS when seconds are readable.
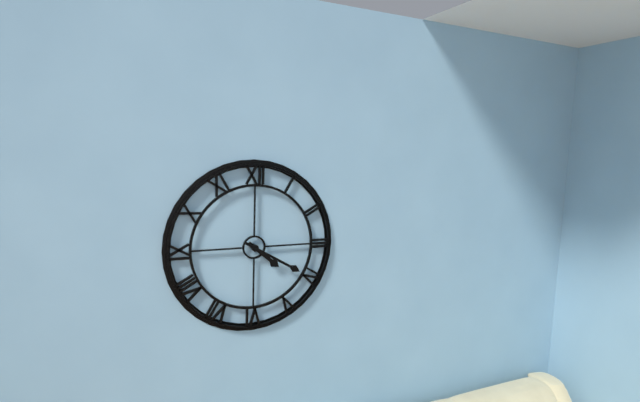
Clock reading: **4:20**
